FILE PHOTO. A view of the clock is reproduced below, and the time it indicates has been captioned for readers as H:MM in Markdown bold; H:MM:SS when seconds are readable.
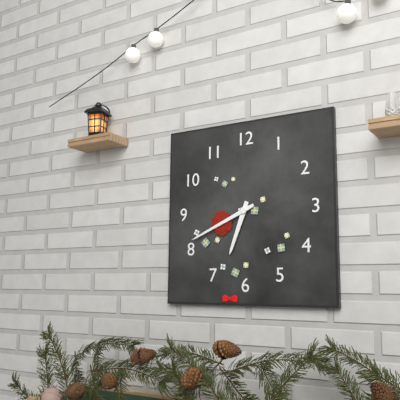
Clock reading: **6:41**
